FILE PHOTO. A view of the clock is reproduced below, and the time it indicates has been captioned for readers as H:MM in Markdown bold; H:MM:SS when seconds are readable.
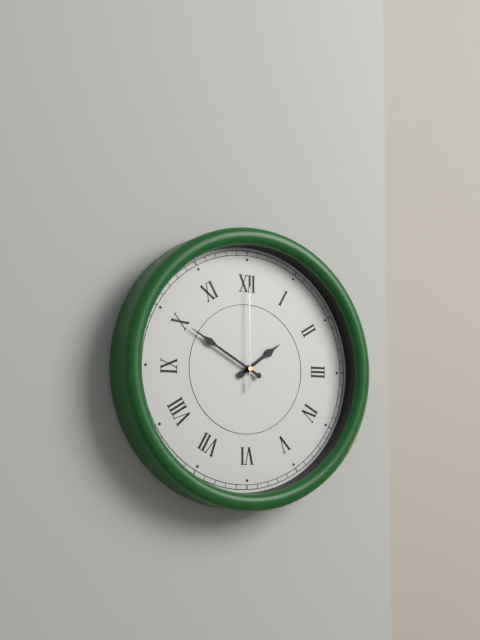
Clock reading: **1:50:00**
